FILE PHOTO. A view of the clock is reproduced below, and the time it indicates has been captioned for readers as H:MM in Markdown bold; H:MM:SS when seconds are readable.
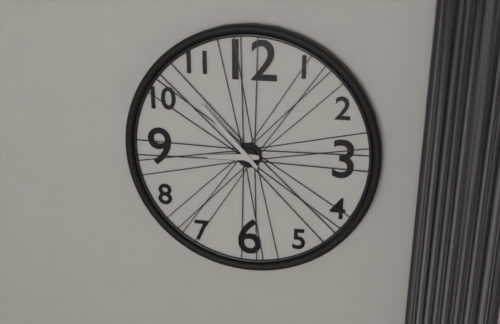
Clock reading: **8:53**
